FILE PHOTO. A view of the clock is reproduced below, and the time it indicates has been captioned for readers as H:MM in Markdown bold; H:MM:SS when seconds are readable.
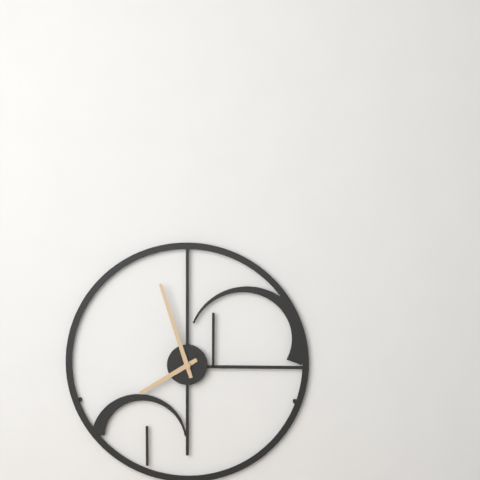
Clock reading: **7:57**
